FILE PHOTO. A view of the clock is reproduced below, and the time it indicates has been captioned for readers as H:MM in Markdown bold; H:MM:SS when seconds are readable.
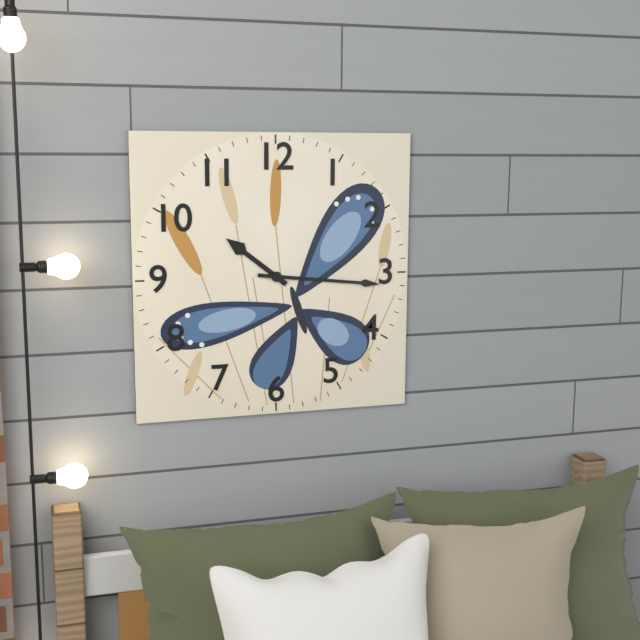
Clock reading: **10:16**
